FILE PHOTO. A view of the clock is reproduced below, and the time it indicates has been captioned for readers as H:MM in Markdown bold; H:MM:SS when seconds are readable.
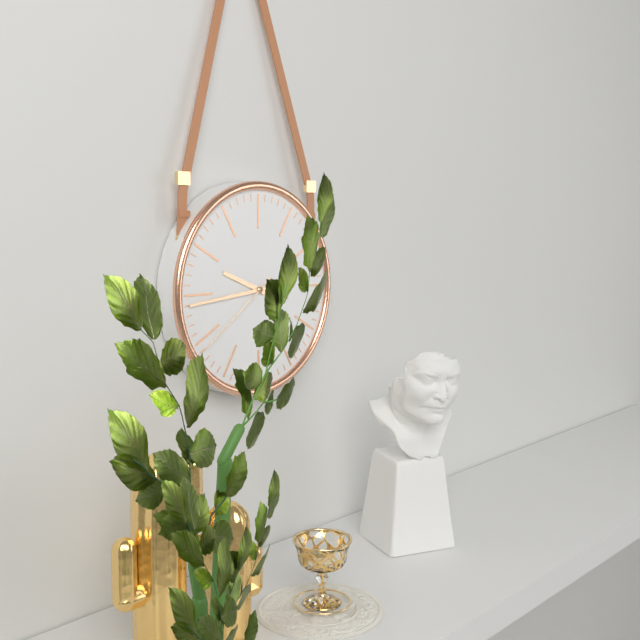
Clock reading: **9:44:39**
